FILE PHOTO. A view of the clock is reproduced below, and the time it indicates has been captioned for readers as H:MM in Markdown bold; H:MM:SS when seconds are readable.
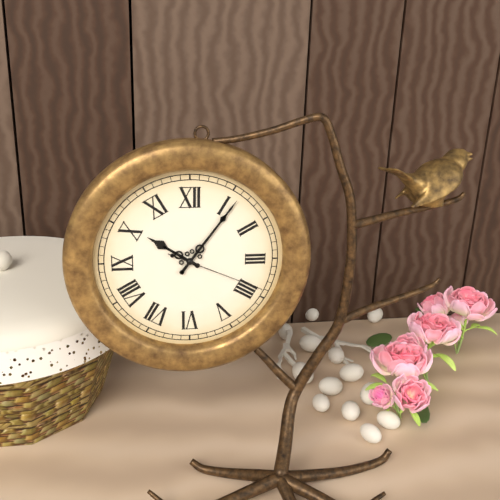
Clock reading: **10:06:19**
